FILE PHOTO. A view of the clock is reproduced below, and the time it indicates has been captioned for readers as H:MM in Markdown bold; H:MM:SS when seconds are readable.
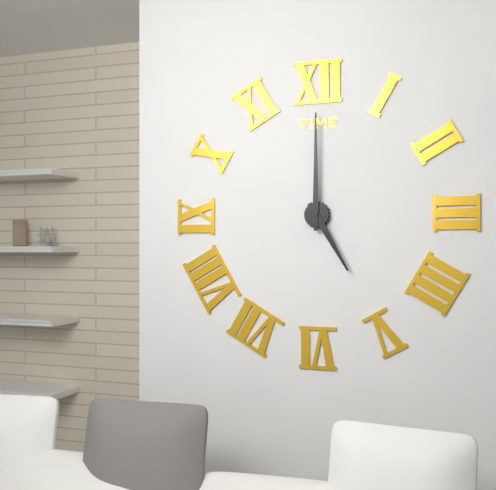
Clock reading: **5:00**
